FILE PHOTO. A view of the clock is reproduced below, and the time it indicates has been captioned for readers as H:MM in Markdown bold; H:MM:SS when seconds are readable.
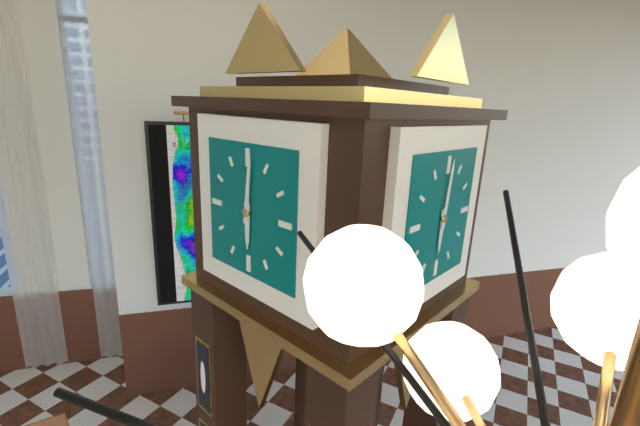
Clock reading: **6:01**
